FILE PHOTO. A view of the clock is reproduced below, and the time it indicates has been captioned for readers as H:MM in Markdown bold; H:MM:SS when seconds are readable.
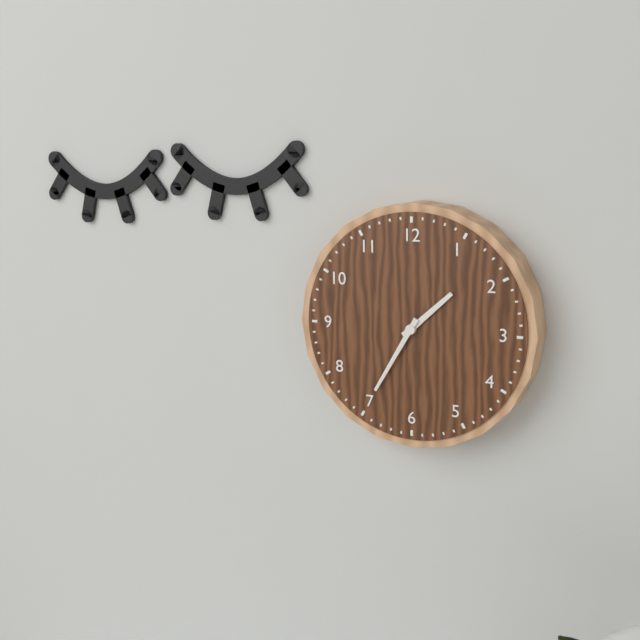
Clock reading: **1:35**
